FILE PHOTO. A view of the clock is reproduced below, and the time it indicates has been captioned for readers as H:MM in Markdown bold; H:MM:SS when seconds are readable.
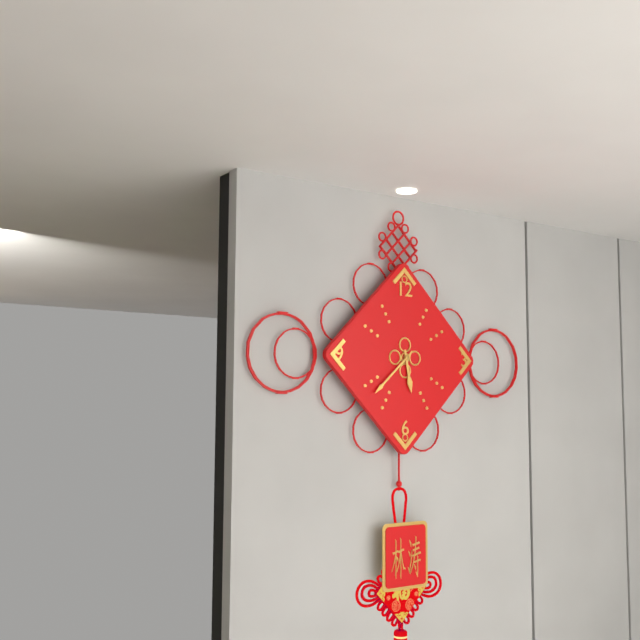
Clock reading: **5:38**
